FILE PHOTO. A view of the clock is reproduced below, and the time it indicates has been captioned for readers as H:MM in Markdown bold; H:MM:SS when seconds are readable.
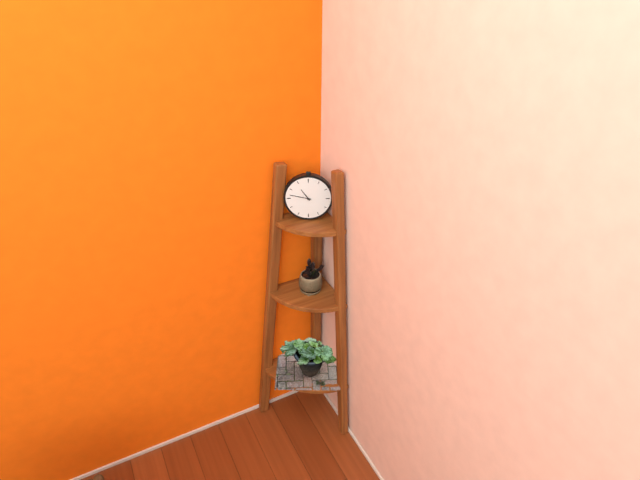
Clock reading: **10:47**
